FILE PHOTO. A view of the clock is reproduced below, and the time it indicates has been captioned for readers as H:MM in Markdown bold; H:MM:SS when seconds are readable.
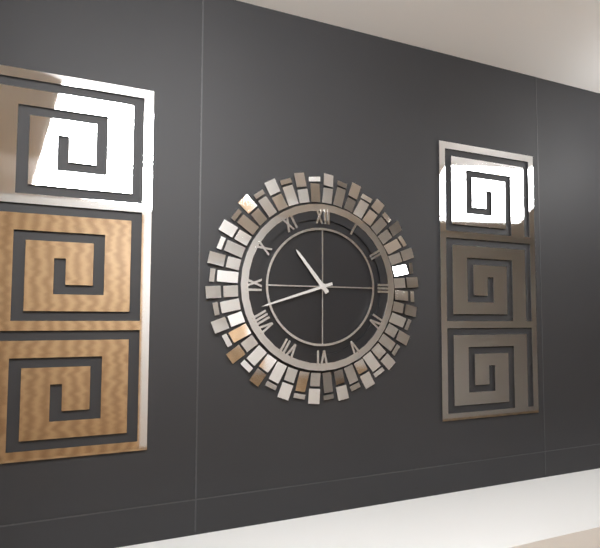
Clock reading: **10:42**
